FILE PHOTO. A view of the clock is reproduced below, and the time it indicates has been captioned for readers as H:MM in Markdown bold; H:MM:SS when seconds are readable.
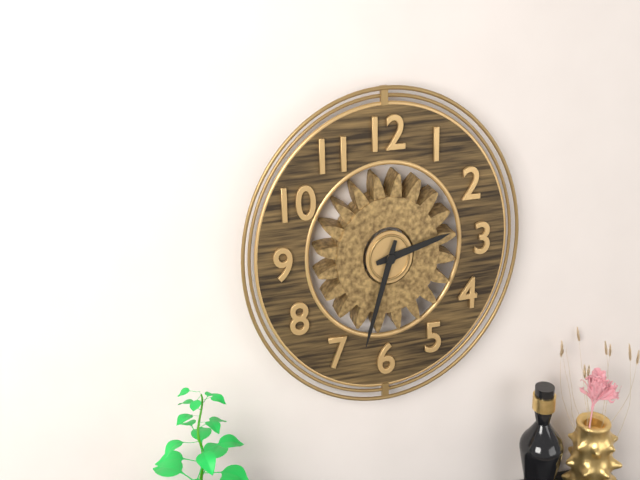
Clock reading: **2:33**
